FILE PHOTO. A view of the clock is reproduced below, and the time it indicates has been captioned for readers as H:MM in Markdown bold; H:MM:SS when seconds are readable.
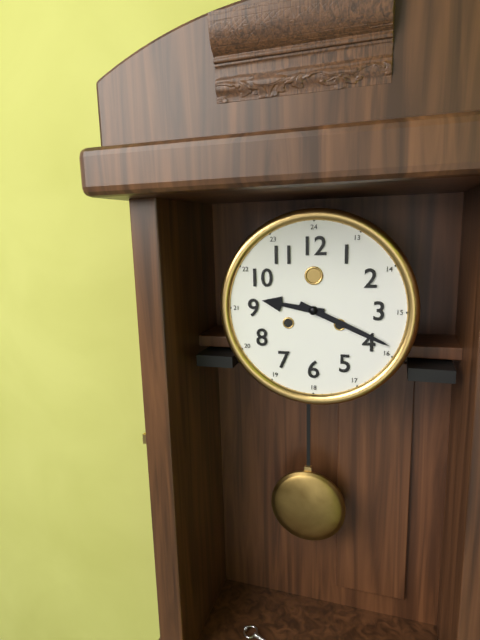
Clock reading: **9:19**
